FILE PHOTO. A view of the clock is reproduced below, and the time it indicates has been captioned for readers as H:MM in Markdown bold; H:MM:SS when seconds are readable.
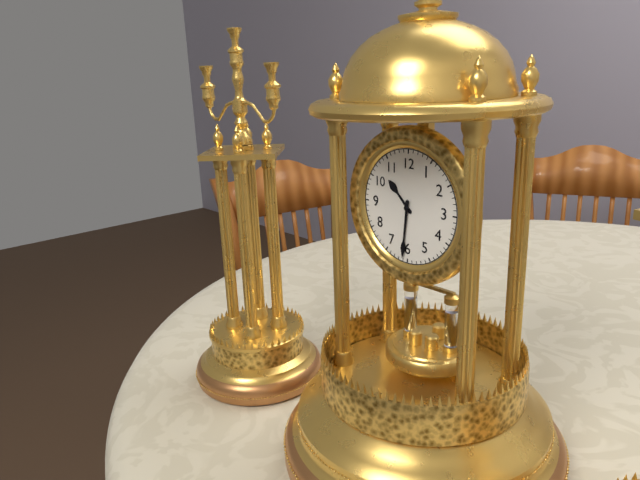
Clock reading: **10:31**
